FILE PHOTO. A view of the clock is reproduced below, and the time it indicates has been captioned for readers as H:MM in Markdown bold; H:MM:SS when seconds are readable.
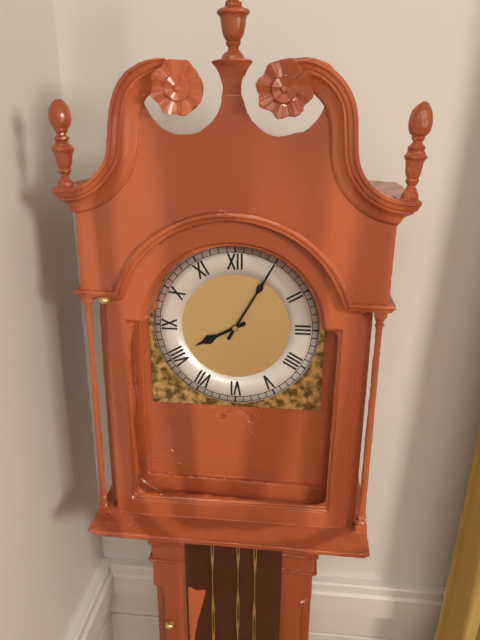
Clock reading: **8:05**
